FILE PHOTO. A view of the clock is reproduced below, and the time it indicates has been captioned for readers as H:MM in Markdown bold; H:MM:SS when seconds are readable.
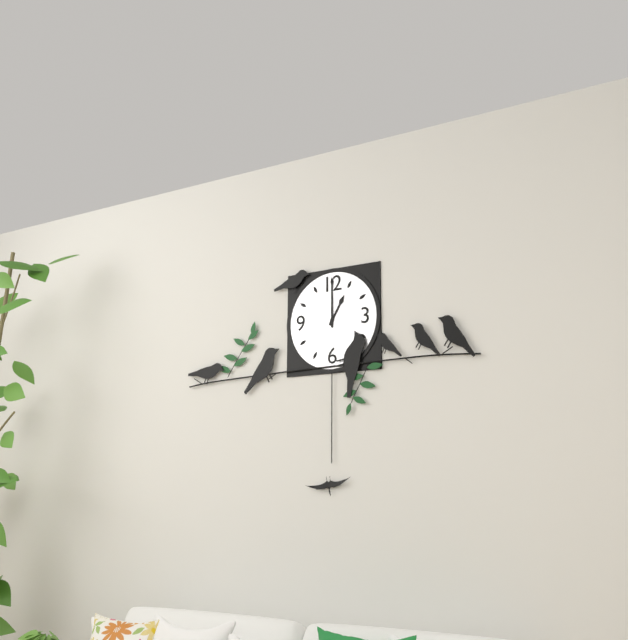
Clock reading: **1:00**
